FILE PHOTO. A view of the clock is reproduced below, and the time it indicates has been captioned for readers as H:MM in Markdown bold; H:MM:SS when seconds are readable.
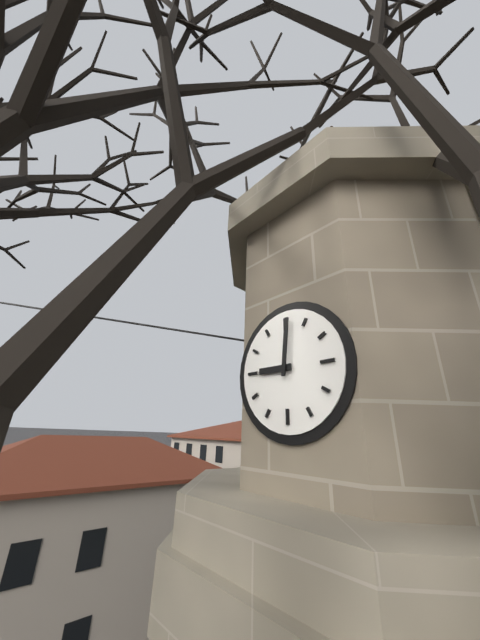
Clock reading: **9:01**
